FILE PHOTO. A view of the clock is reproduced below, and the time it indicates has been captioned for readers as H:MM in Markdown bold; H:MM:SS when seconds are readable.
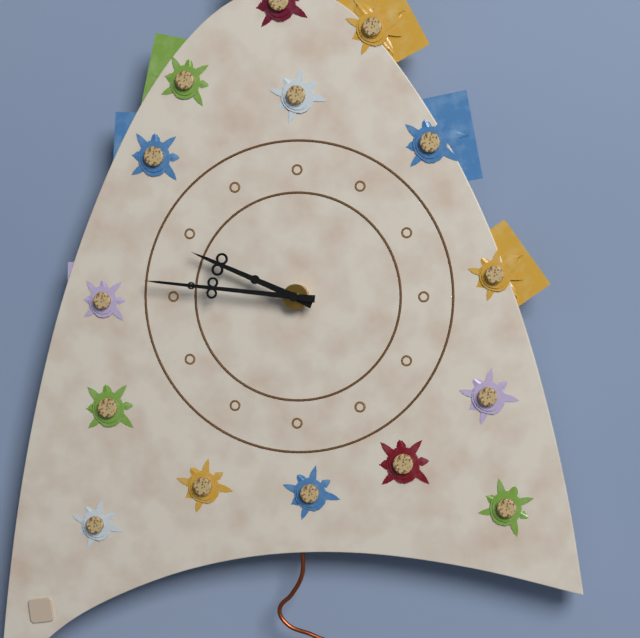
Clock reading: **9:46**
